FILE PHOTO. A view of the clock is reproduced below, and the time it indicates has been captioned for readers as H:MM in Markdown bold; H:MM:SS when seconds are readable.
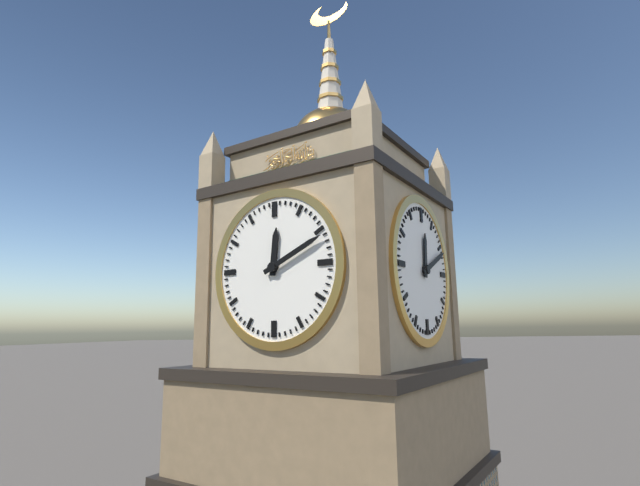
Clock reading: **12:11**
